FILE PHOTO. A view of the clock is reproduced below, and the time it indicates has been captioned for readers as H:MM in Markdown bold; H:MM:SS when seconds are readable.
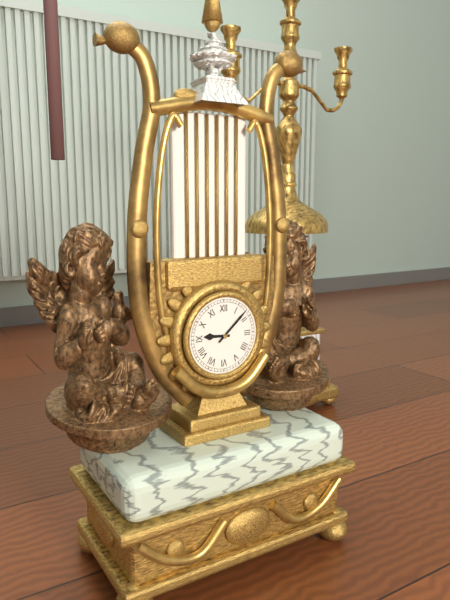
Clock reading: **9:08**
